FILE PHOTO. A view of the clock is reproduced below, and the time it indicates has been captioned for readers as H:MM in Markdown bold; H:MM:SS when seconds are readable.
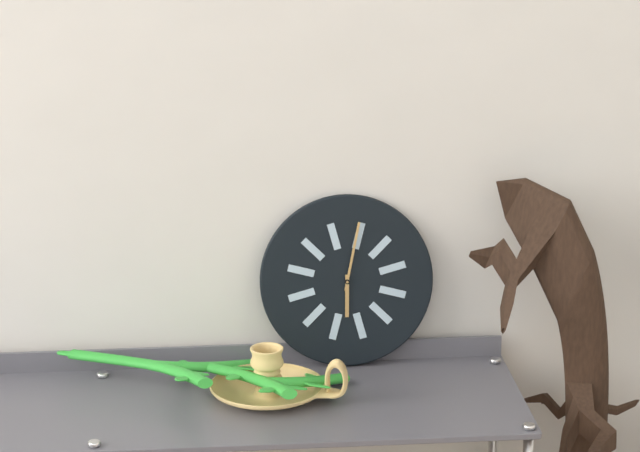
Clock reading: **6:02**
